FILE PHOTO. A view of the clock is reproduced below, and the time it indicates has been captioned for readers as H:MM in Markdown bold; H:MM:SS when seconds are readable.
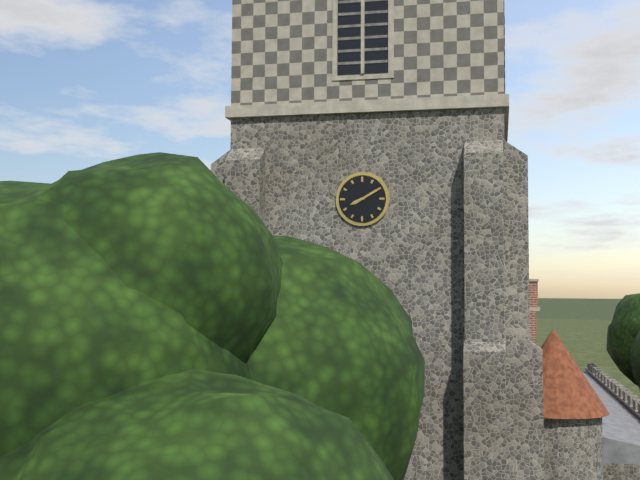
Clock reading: **8:10**
